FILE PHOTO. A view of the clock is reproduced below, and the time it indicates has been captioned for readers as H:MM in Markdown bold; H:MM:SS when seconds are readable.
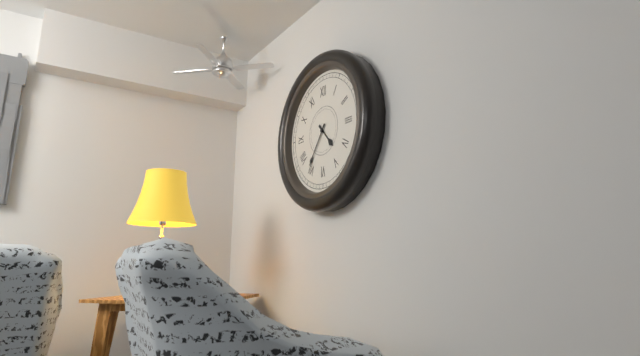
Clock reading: **4:36**
